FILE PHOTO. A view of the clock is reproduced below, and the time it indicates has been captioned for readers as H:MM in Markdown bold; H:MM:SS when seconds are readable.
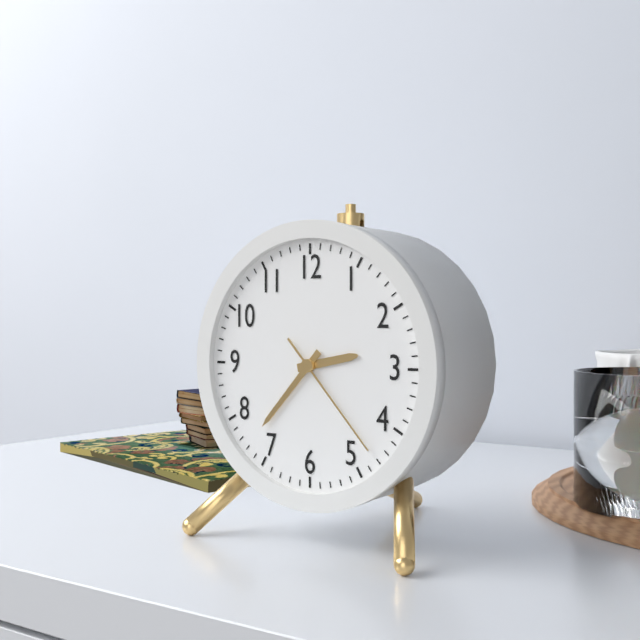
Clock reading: **2:37:23**
